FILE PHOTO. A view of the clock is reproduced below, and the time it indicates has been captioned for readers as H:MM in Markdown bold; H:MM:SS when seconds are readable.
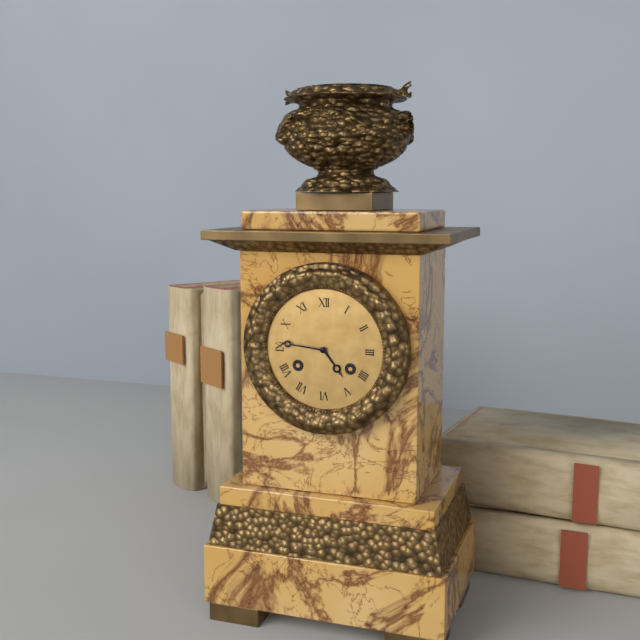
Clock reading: **4:46**
